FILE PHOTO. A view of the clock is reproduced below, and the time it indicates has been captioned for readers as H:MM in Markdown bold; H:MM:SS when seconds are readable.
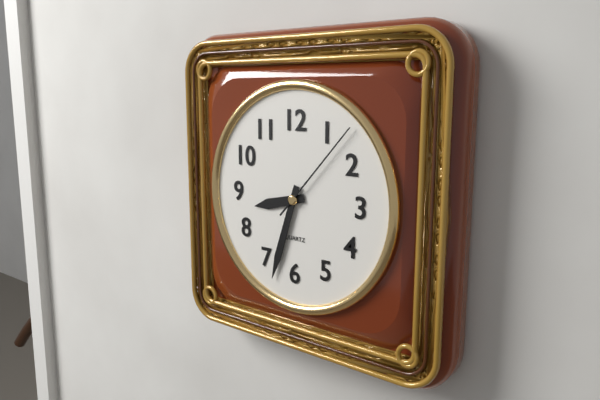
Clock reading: **8:33:07**
